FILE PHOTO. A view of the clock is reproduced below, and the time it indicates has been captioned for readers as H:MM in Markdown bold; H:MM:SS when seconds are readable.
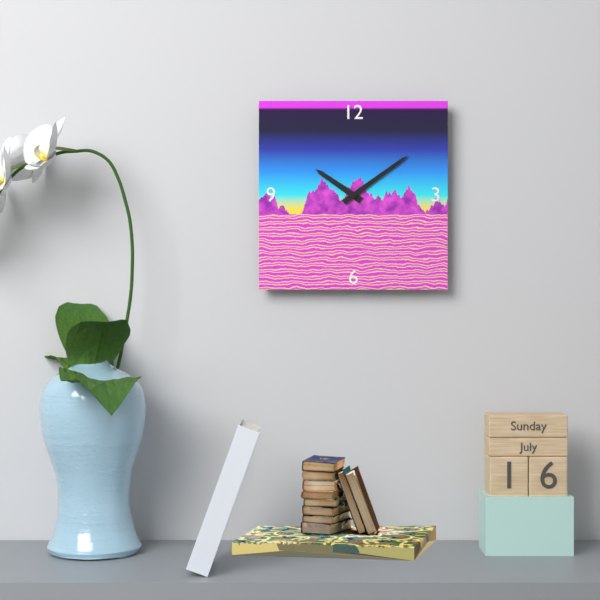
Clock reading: **10:09**
